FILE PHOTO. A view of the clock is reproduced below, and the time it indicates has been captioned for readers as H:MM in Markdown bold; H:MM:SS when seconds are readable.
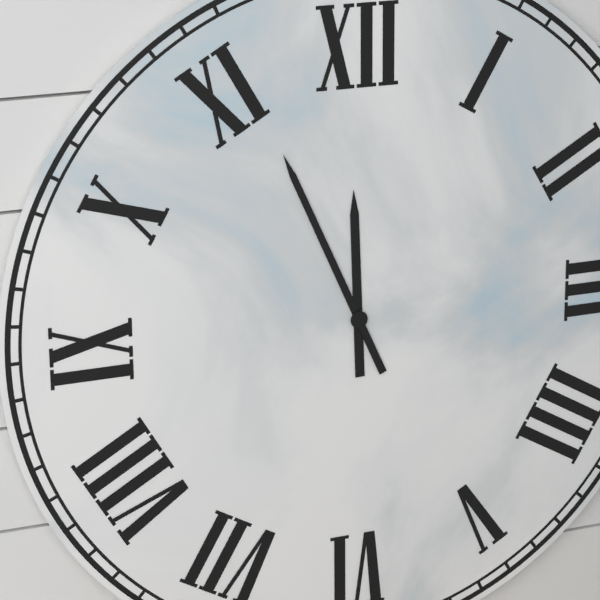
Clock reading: **11:56**
